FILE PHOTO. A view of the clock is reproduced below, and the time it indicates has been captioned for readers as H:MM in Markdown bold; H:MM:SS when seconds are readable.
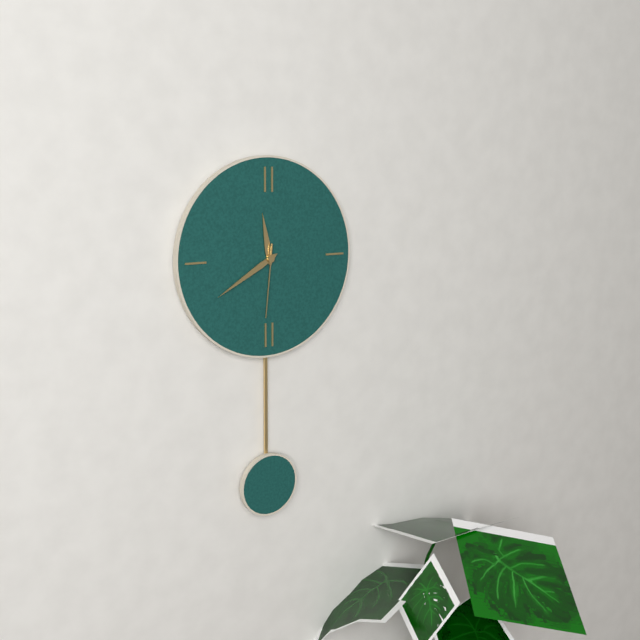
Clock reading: **11:40:31**
